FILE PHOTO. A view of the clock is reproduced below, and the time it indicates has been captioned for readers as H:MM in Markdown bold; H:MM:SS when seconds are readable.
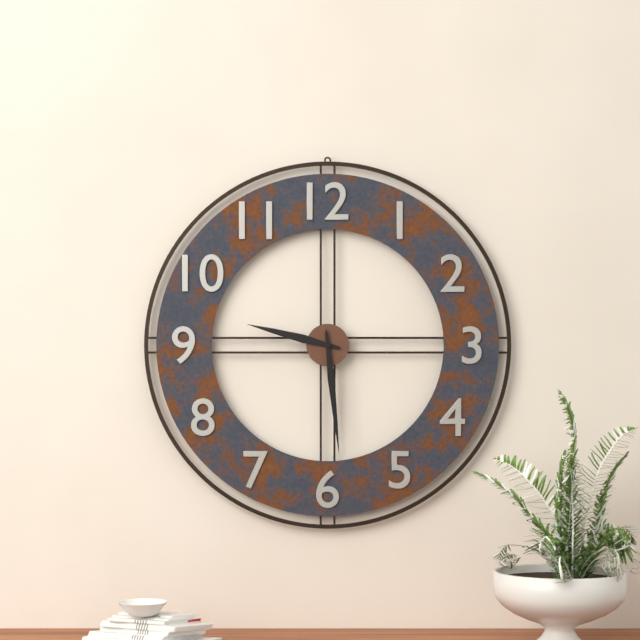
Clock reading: **9:29**
